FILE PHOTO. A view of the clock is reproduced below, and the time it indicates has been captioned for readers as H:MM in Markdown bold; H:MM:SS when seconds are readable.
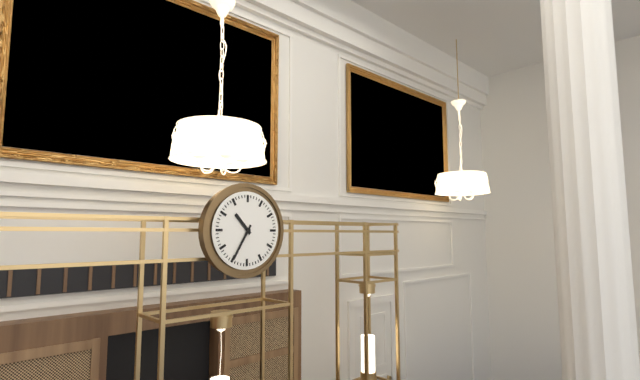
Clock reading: **10:35**
